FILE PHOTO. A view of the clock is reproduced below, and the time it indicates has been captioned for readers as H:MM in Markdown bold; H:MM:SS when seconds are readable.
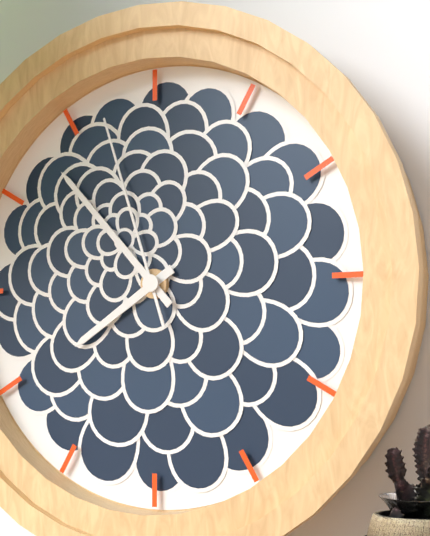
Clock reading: **7:53:57**
